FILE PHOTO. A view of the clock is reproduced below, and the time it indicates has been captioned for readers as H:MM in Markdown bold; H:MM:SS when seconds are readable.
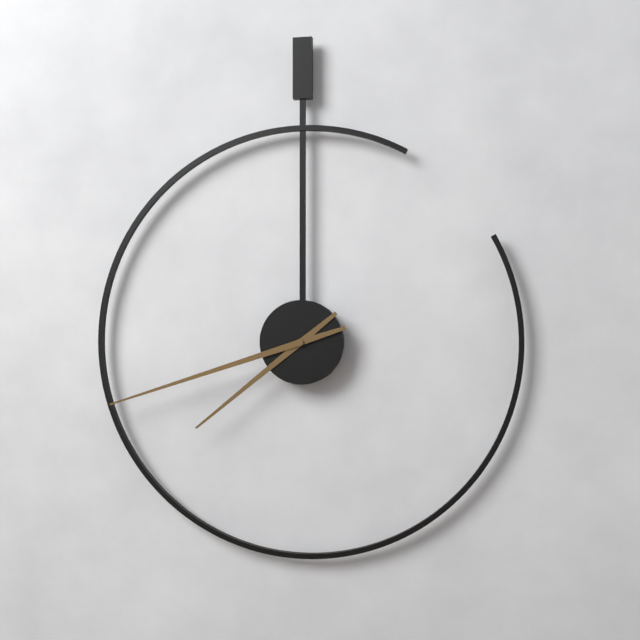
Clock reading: **7:42**
